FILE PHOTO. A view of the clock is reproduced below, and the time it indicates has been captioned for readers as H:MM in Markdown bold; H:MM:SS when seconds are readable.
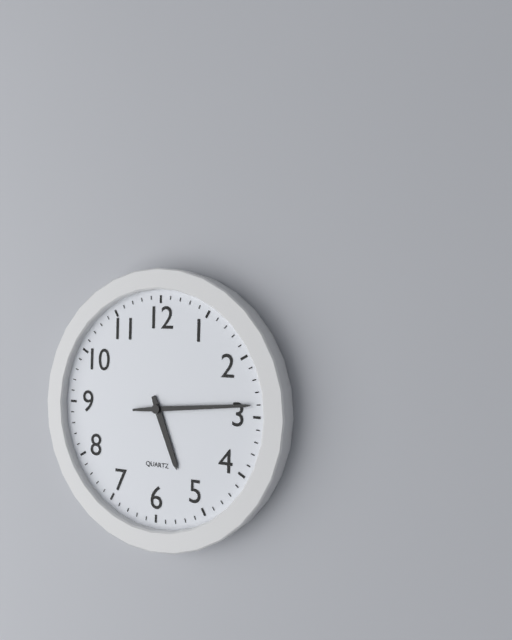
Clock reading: **5:14**
